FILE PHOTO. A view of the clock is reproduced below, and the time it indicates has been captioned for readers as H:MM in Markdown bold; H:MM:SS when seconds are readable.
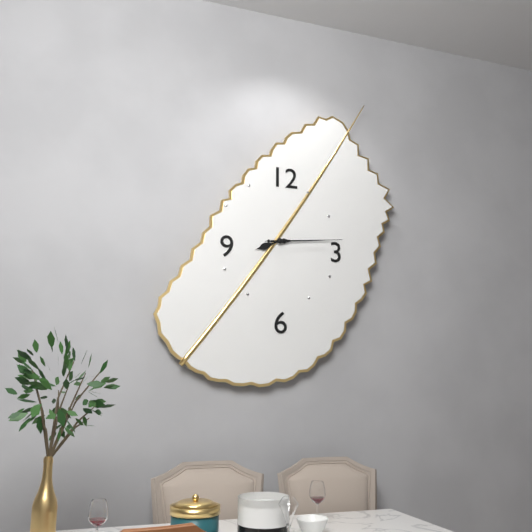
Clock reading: **8:14:14**
